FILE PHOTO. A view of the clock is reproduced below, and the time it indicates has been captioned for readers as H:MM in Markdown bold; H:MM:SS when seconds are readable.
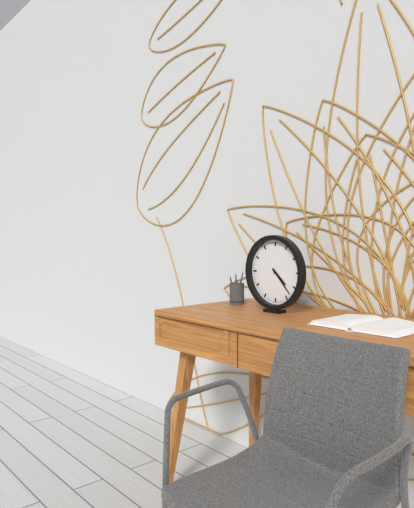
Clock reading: **4:23**
